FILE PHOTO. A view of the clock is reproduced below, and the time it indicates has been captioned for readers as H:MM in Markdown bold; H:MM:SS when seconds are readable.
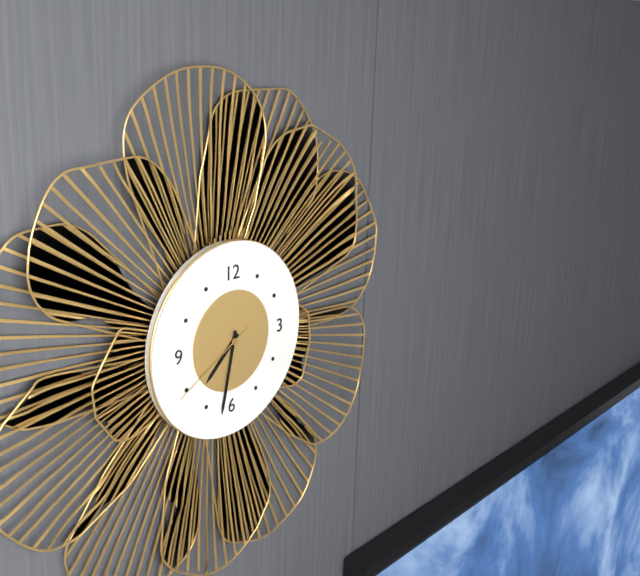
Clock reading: **7:32:40**
